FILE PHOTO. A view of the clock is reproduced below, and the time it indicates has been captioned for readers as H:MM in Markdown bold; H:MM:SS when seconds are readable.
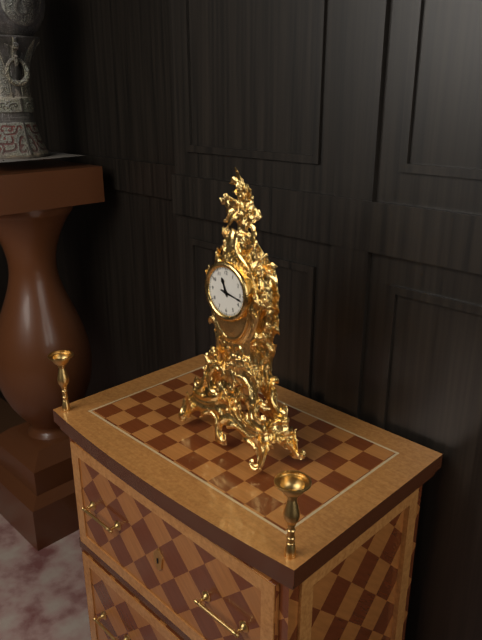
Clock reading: **11:17**
